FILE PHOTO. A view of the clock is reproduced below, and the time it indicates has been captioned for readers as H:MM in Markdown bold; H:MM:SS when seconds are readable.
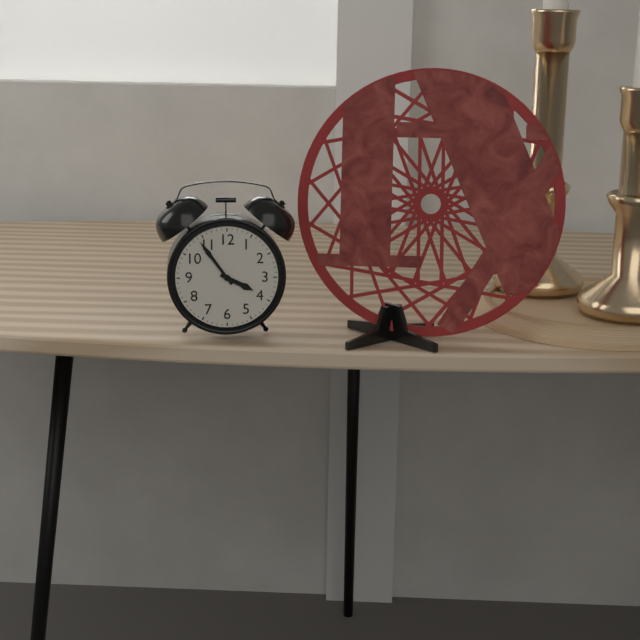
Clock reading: **3:54**
